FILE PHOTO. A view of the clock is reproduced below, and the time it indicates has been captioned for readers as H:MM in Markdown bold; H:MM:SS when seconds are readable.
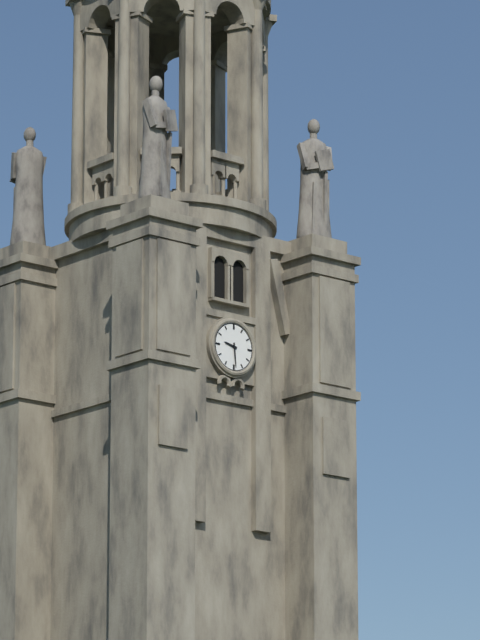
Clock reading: **9:29**
